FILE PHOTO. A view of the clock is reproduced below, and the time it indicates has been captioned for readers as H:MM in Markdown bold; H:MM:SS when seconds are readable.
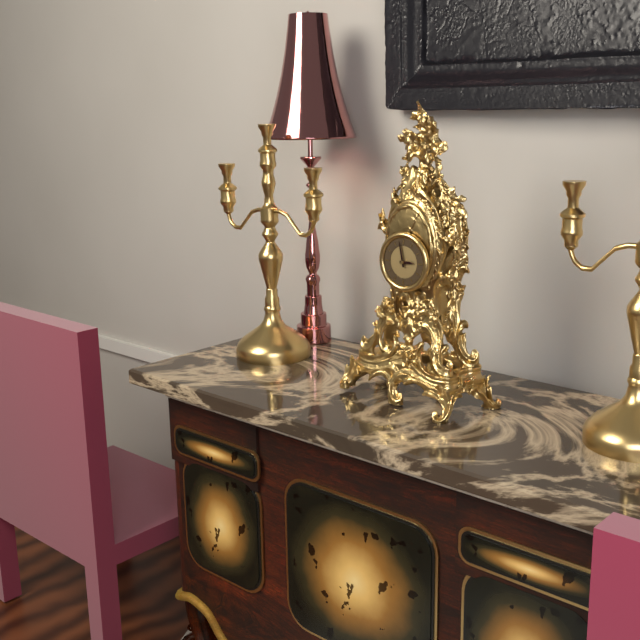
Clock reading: **2:58**
